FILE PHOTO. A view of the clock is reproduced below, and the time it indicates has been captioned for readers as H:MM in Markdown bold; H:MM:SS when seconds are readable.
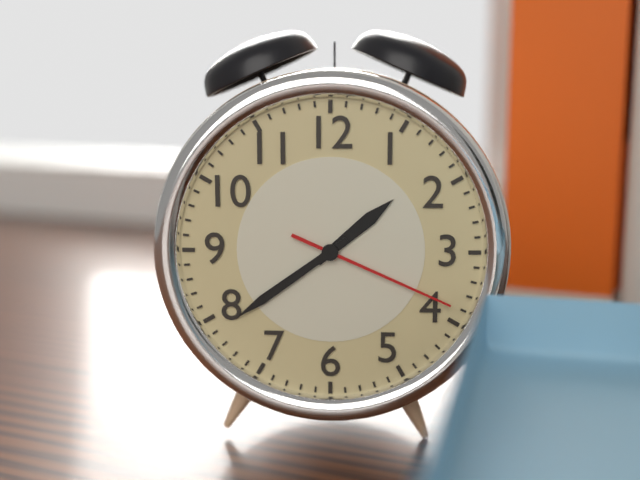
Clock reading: **1:39:19**
